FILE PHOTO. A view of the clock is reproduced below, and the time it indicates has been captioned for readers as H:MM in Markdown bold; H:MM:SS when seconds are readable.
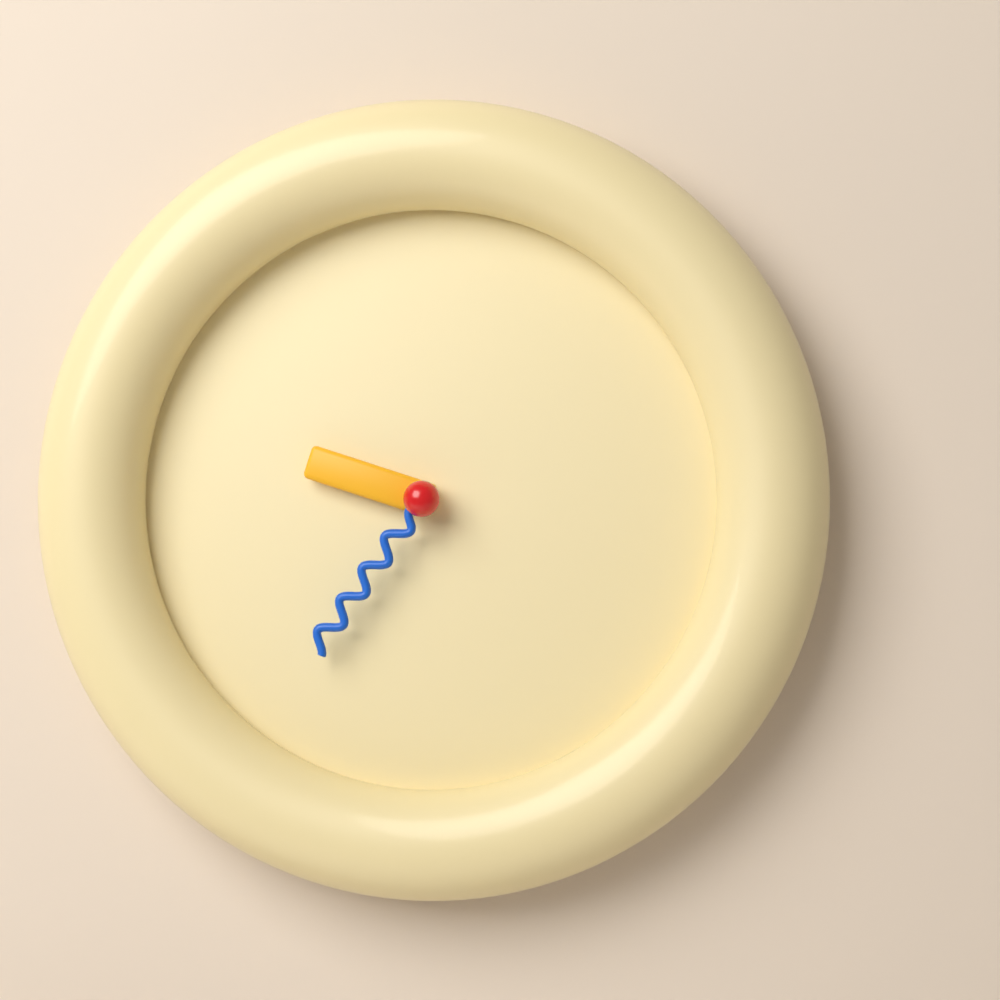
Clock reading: **9:36**
